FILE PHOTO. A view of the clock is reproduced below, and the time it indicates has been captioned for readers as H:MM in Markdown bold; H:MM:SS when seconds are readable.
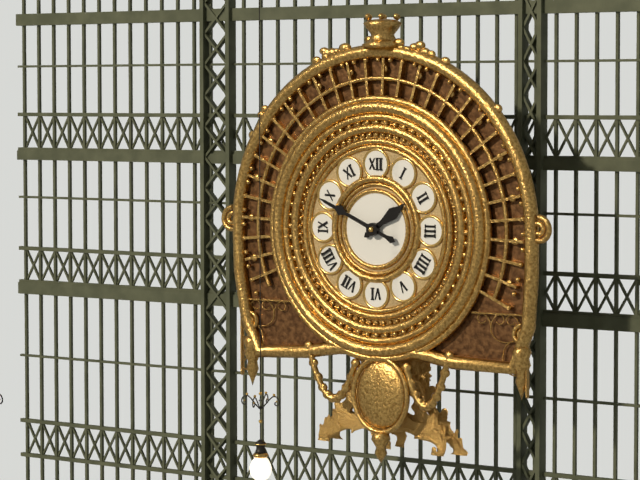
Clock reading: **1:49**
